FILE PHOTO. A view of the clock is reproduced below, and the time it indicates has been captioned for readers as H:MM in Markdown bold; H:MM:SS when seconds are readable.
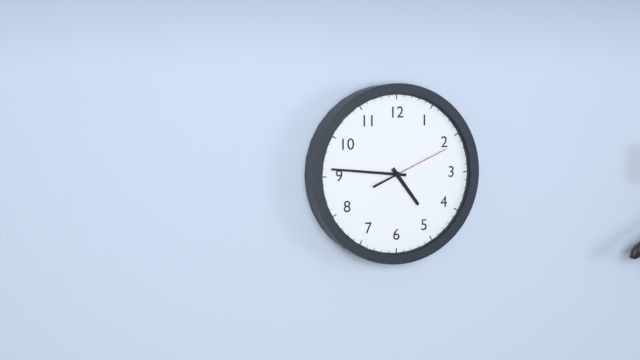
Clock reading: **4:46:11**
